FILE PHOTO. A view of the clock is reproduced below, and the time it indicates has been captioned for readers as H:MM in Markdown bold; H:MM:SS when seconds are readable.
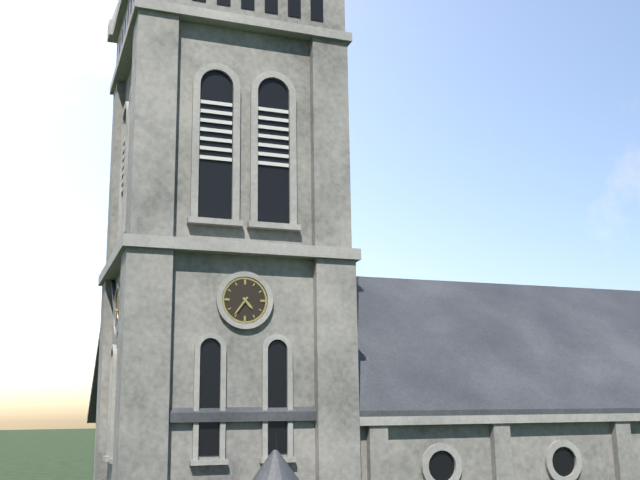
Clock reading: **4:36**
